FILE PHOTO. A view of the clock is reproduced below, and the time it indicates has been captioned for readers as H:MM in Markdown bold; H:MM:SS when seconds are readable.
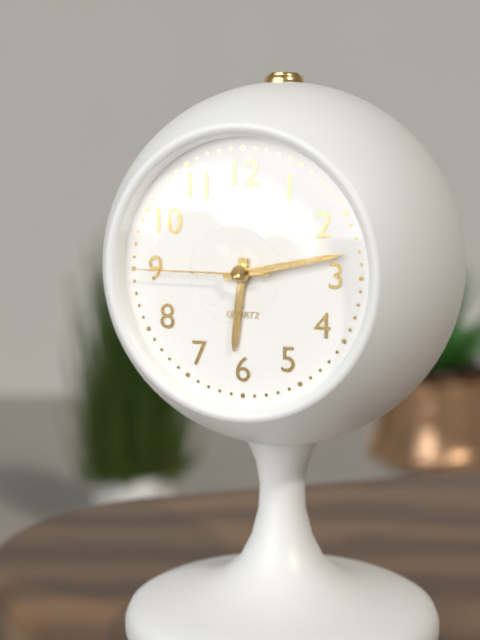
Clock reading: **6:13:45**
